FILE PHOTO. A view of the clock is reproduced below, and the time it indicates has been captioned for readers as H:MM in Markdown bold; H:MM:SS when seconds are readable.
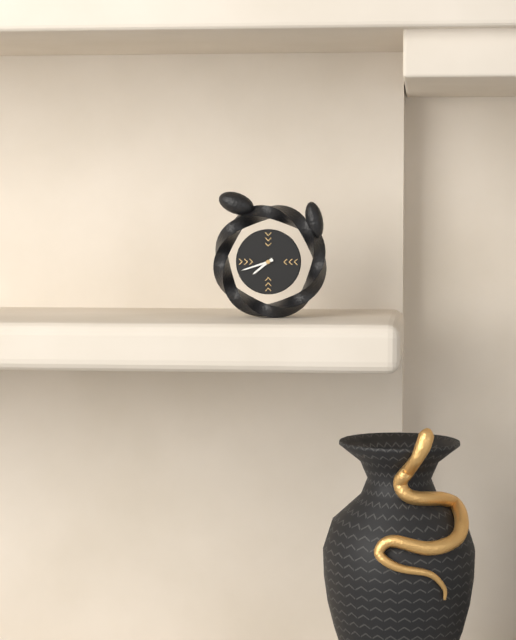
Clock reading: **7:42**
